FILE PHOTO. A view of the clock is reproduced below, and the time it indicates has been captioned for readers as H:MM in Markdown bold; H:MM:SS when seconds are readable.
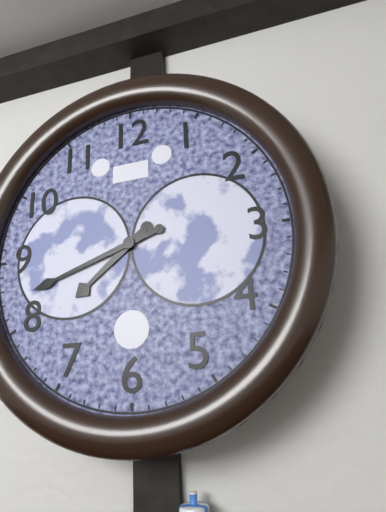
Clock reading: **7:42**
